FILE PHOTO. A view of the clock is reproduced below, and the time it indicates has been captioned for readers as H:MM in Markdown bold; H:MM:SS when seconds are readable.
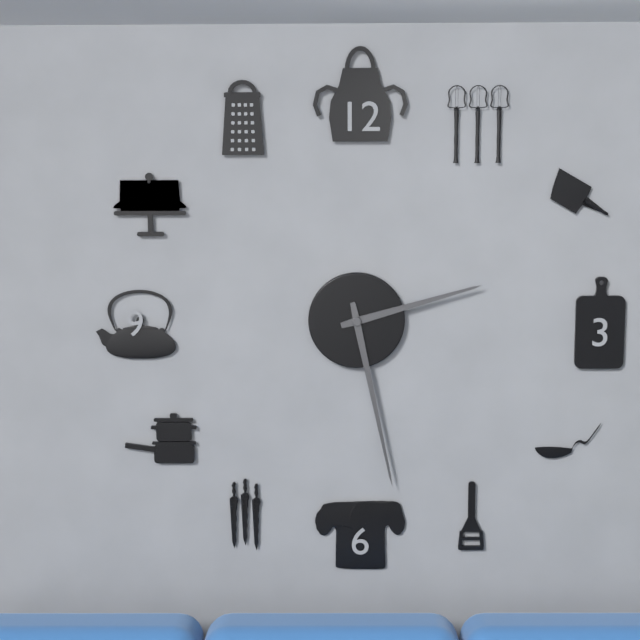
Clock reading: **2:28**
